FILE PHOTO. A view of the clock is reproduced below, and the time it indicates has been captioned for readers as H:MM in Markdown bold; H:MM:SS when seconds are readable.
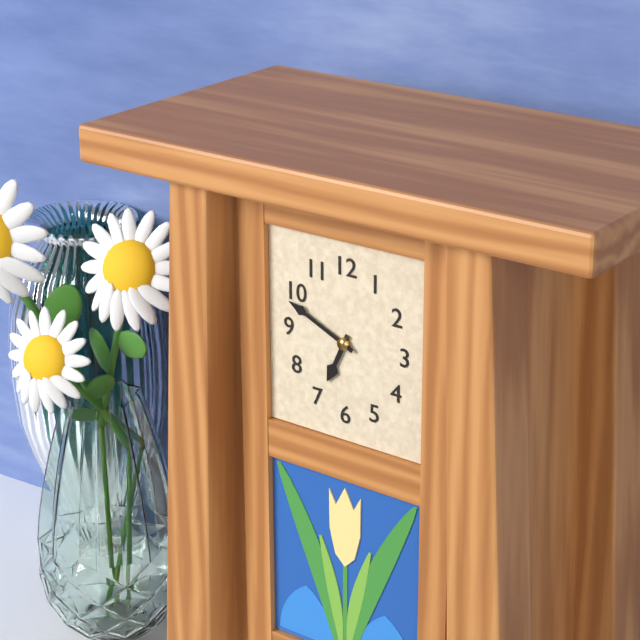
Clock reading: **6:49**
